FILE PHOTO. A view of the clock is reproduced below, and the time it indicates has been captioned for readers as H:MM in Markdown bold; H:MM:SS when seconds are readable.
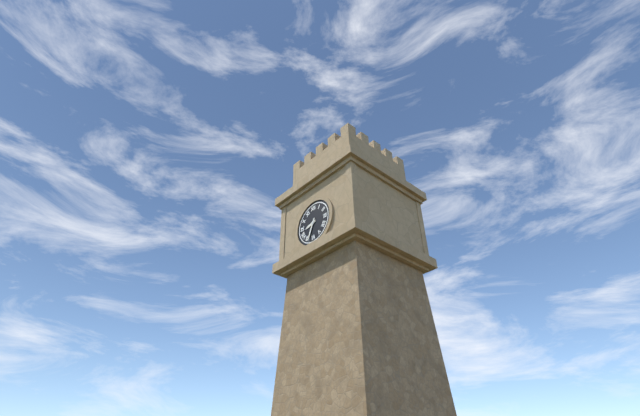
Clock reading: **8:34**
